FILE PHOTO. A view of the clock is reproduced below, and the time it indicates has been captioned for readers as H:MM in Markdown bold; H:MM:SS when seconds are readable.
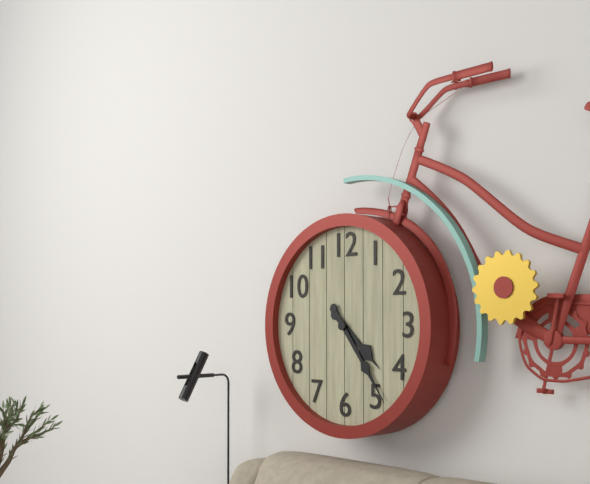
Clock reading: **4:24**
